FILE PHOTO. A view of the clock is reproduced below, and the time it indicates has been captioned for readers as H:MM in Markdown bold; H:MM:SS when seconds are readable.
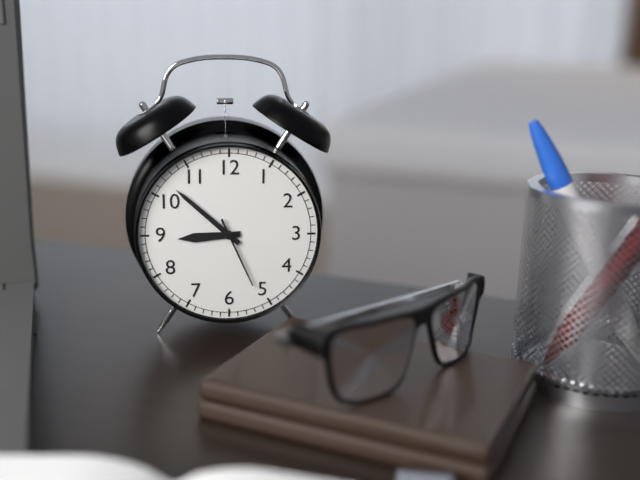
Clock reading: **8:52:26**
